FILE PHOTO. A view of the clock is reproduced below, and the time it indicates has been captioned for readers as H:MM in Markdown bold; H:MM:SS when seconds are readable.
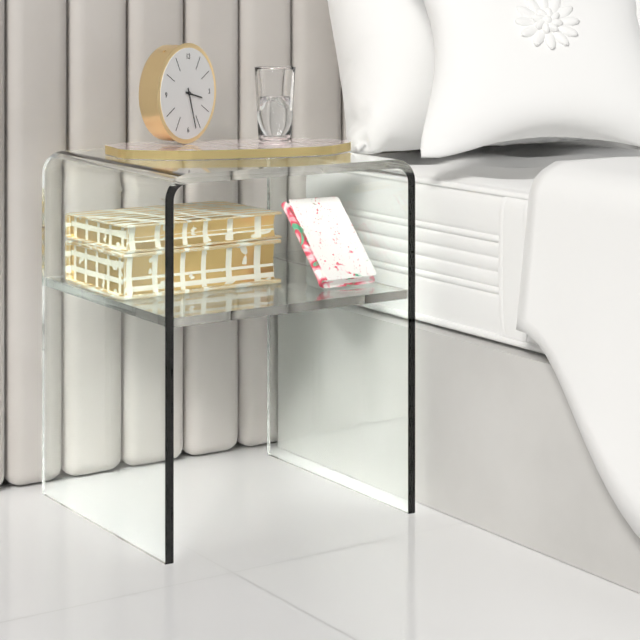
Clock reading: **3:27**
